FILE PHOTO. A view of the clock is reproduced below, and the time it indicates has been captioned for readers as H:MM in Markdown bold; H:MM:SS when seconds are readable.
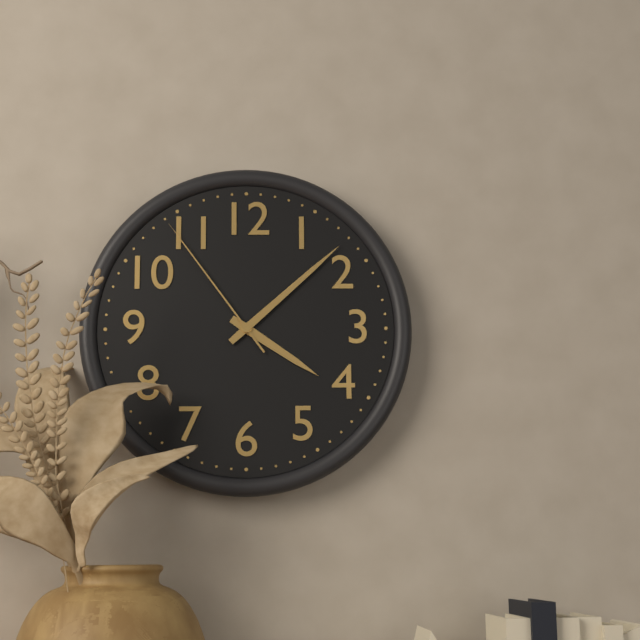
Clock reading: **4:08:54**
